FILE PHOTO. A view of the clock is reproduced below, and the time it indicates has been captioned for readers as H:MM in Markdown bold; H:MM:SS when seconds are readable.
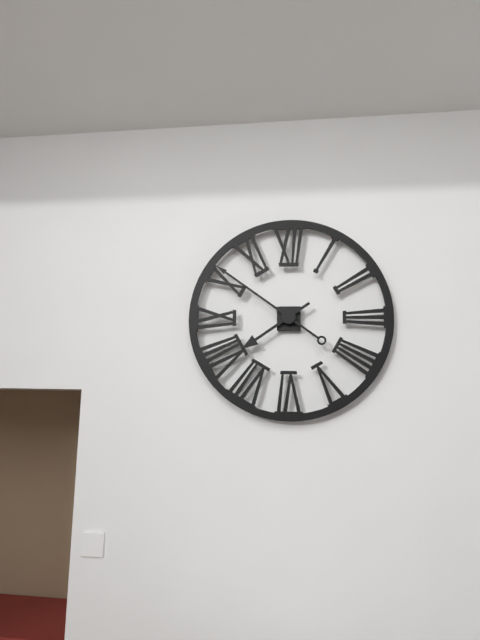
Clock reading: **7:51**
